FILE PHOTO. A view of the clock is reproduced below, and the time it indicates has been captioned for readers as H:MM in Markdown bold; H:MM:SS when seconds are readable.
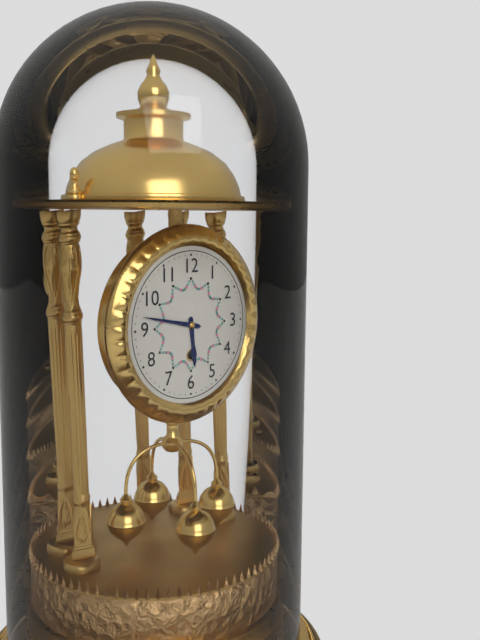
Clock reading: **5:47**
